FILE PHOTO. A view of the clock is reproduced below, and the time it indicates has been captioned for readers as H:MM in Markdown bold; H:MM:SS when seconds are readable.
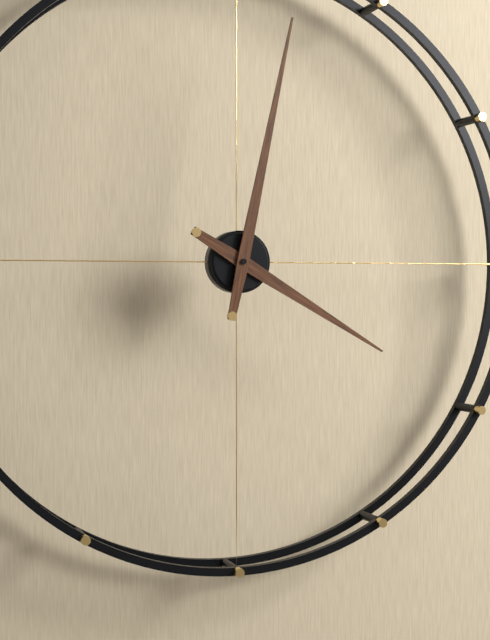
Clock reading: **4:02**
